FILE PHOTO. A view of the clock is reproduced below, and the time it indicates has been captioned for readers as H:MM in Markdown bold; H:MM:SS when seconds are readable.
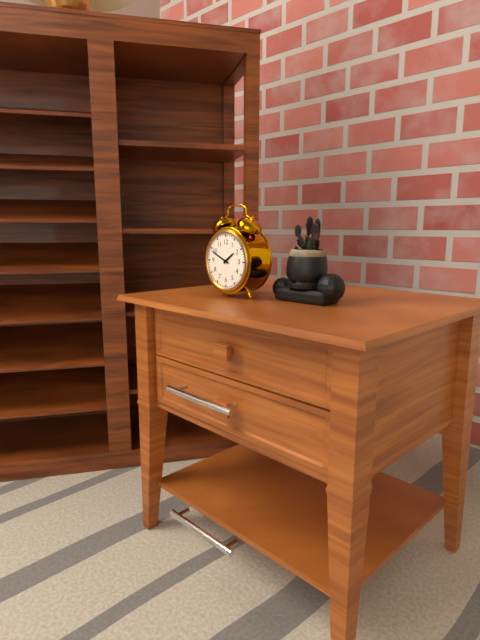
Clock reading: **1:49**
